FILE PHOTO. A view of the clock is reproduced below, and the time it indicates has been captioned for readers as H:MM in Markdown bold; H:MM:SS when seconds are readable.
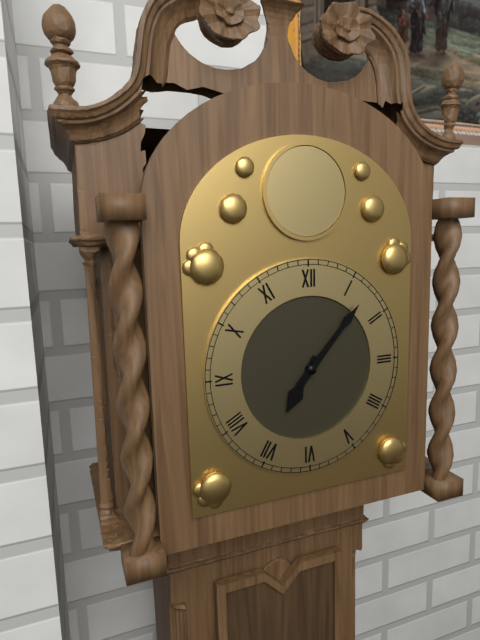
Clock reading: **7:07**
